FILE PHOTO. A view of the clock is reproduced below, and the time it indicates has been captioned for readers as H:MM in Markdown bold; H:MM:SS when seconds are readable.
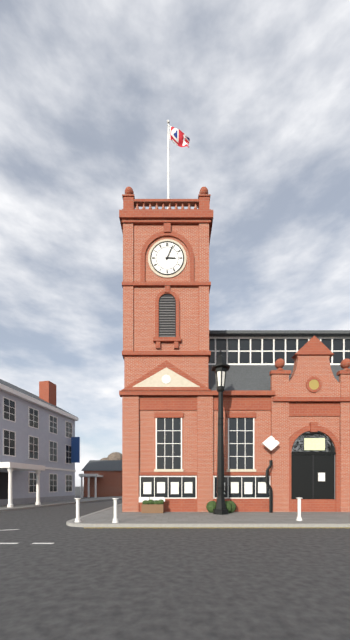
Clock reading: **3:04**
